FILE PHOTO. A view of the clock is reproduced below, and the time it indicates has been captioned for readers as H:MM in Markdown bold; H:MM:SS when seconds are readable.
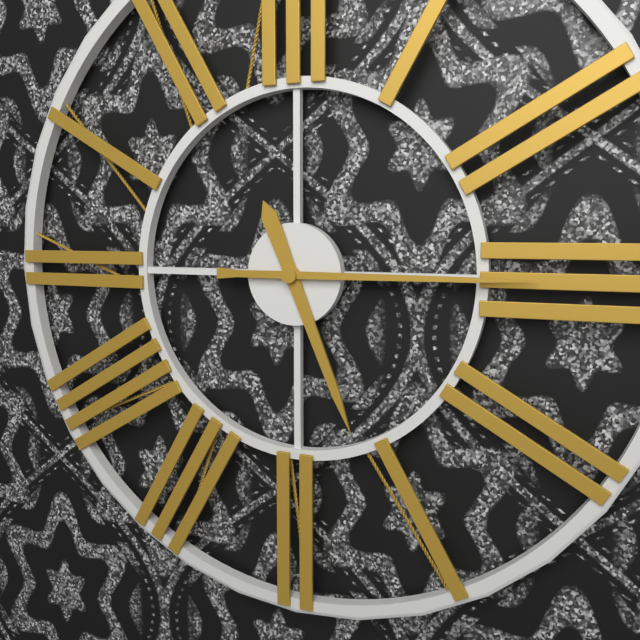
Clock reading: **5:15**
